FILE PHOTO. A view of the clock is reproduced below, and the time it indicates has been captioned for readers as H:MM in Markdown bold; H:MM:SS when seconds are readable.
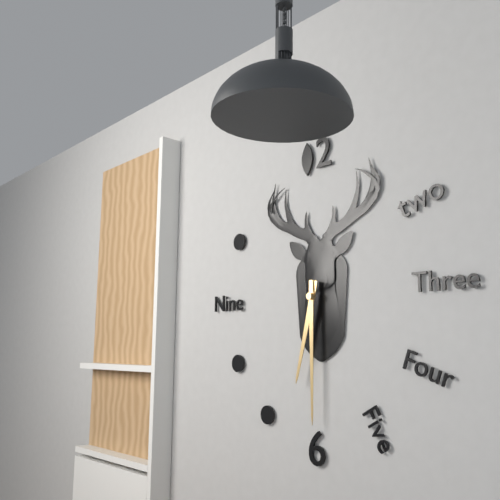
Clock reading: **6:30**
